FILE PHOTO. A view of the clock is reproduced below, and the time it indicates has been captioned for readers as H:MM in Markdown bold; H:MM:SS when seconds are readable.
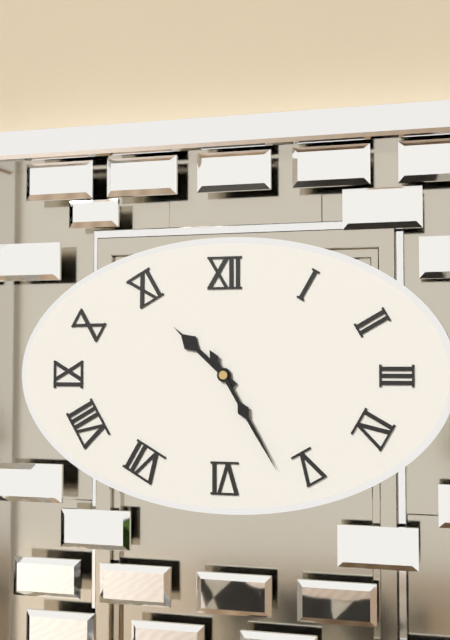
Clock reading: **10:25**
